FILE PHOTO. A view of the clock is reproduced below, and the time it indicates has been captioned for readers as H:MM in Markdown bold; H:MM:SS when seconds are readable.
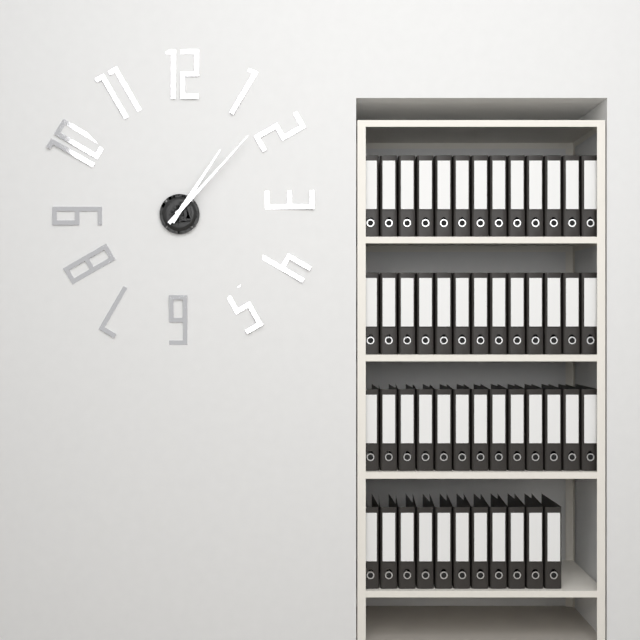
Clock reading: **1:07**
